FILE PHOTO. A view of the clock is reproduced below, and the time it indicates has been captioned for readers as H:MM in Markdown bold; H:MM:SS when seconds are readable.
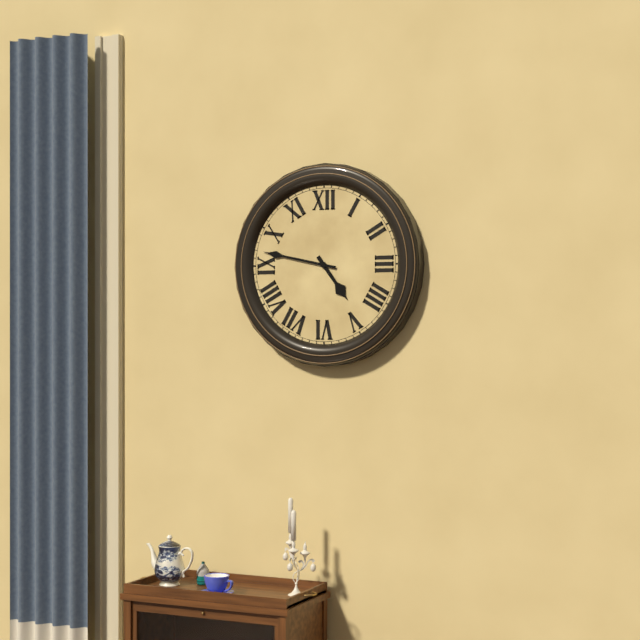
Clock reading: **4:47**
